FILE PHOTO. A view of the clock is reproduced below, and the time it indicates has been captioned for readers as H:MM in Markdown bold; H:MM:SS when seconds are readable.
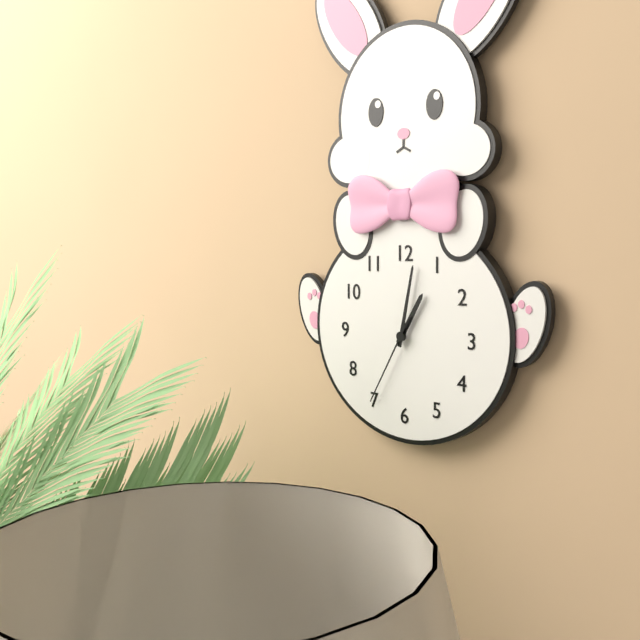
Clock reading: **1:02:35**
